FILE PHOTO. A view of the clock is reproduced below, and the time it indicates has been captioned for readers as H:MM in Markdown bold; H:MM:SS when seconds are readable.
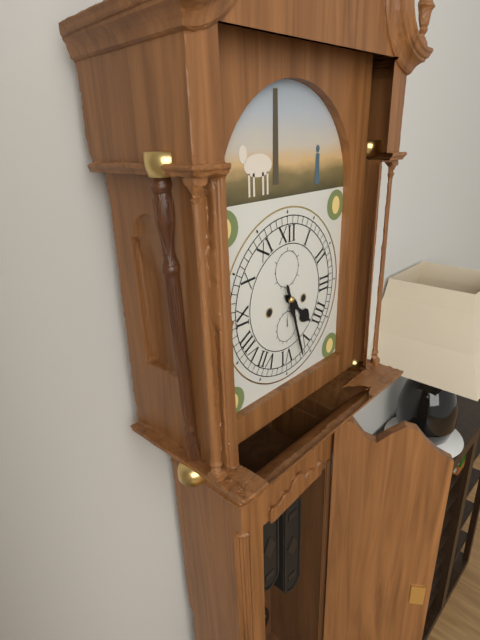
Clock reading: **4:27**
